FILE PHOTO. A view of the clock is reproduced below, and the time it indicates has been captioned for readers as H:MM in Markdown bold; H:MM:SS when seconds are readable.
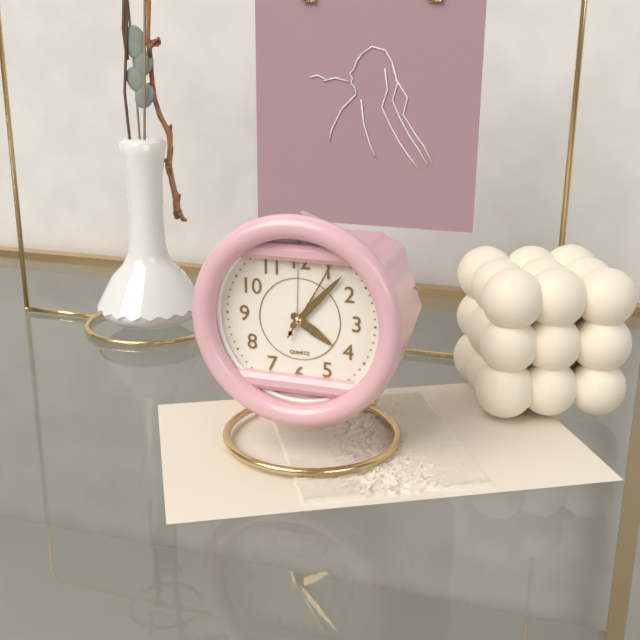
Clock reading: **4:07:05**
